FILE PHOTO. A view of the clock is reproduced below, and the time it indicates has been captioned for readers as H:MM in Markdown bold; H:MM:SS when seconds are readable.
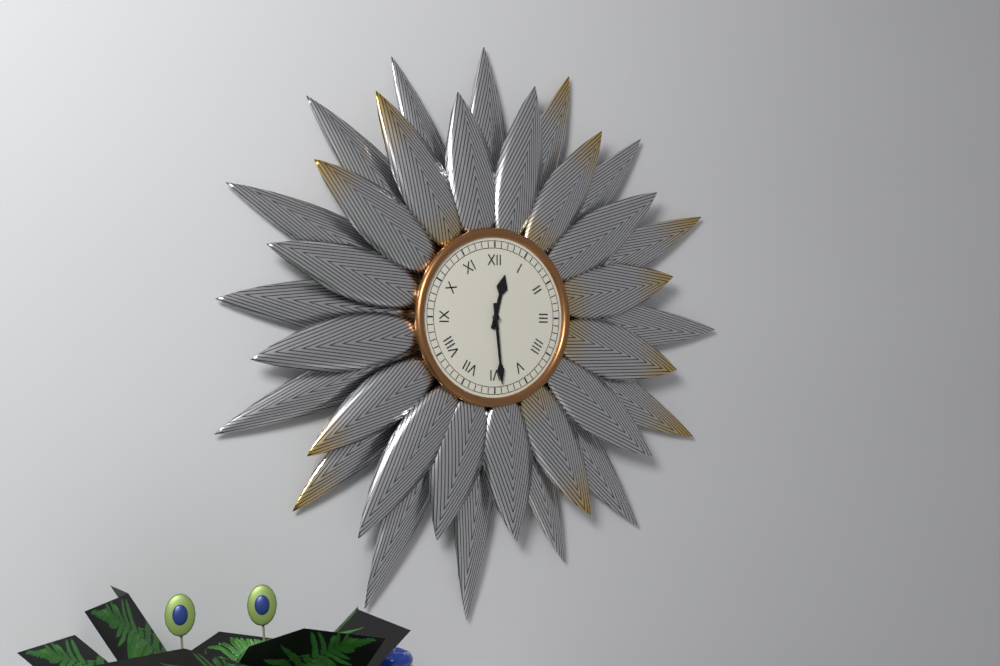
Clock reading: **12:29**
